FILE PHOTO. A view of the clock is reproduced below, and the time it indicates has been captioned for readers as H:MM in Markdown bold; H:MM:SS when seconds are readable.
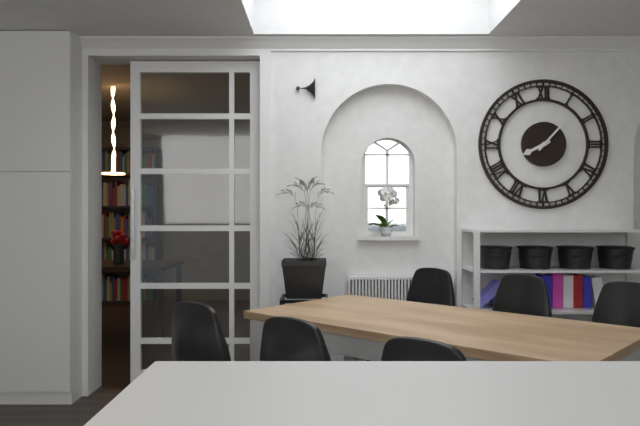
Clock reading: **8:07**
